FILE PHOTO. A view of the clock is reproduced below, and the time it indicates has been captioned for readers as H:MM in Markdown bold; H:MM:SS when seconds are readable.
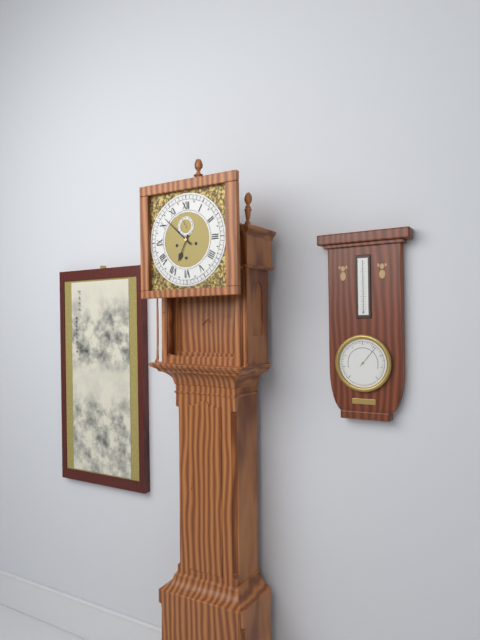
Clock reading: **6:52**
